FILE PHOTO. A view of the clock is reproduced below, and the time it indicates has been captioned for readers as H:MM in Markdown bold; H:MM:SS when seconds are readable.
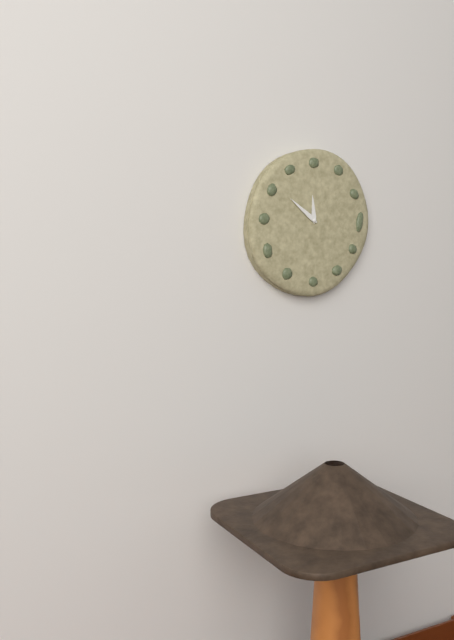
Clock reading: **11:51**
